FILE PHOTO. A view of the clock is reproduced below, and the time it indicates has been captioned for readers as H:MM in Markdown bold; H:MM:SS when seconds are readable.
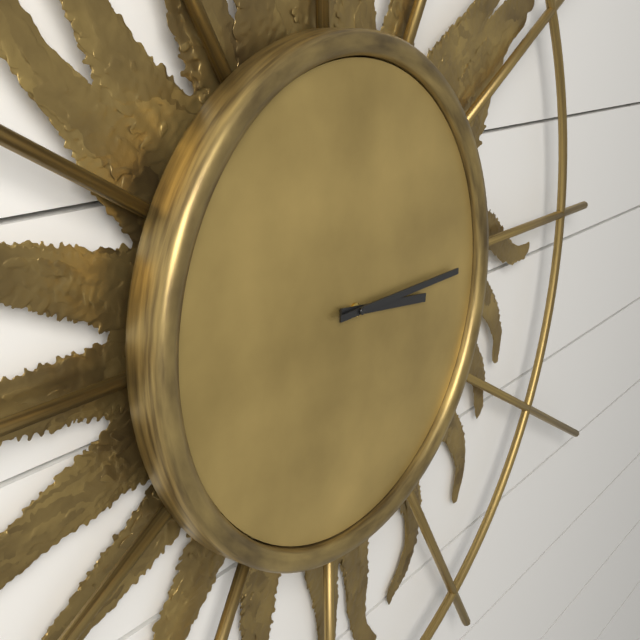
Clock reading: **3:15**
